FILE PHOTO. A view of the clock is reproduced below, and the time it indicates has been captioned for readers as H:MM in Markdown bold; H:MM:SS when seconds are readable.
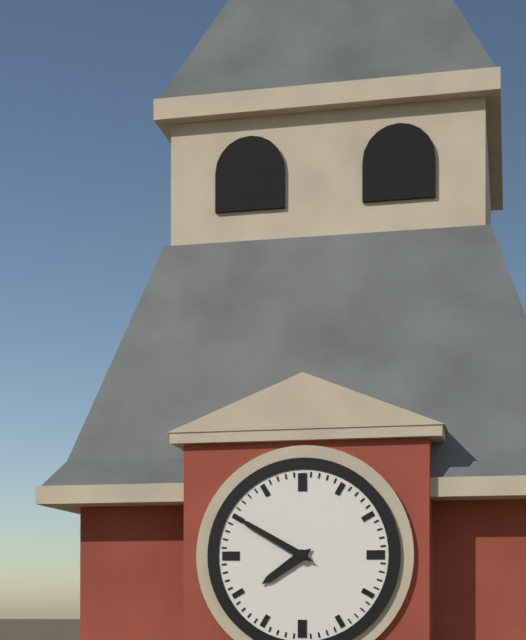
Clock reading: **7:50**
